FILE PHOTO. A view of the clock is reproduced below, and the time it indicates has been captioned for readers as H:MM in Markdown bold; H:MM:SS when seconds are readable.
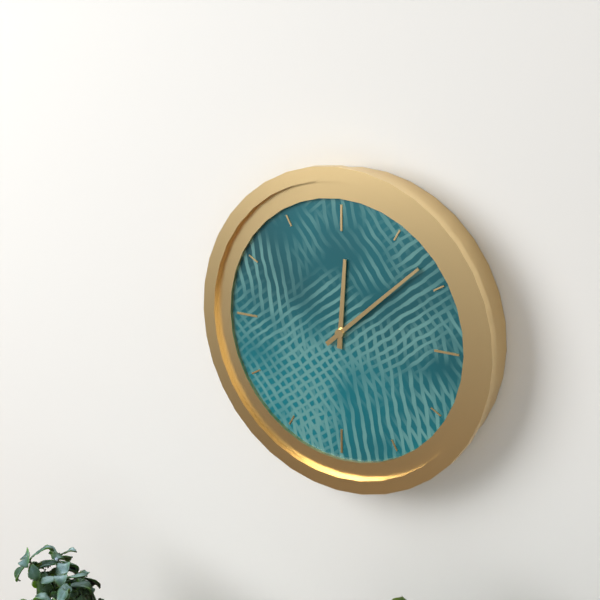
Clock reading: **12:08**
